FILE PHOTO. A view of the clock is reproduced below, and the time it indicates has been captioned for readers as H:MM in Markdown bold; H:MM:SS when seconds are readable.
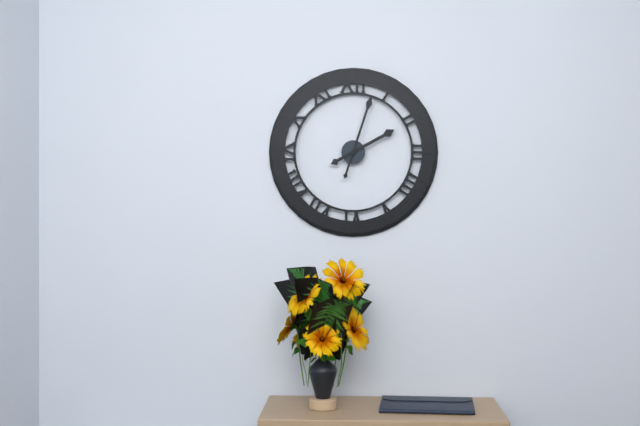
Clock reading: **2:03**
